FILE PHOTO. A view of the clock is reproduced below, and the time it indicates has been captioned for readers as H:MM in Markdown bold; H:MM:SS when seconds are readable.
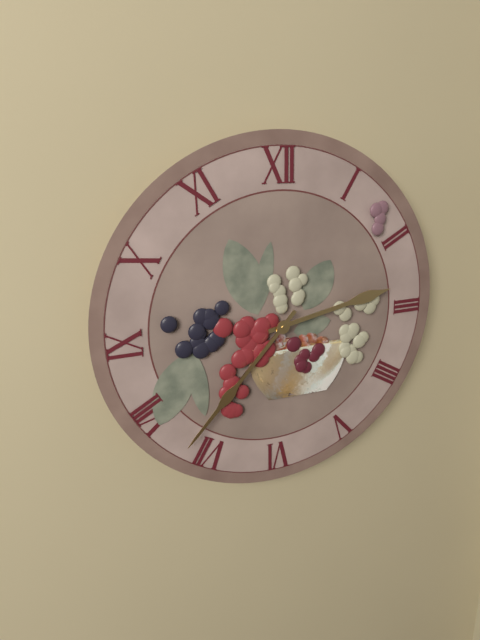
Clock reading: **2:37**
